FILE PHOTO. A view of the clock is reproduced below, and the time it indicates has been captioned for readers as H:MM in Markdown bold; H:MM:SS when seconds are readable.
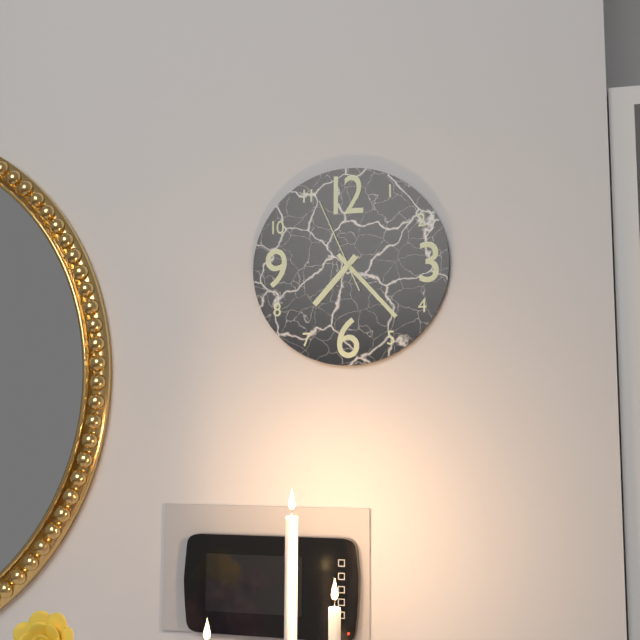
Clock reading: **7:23:56**
